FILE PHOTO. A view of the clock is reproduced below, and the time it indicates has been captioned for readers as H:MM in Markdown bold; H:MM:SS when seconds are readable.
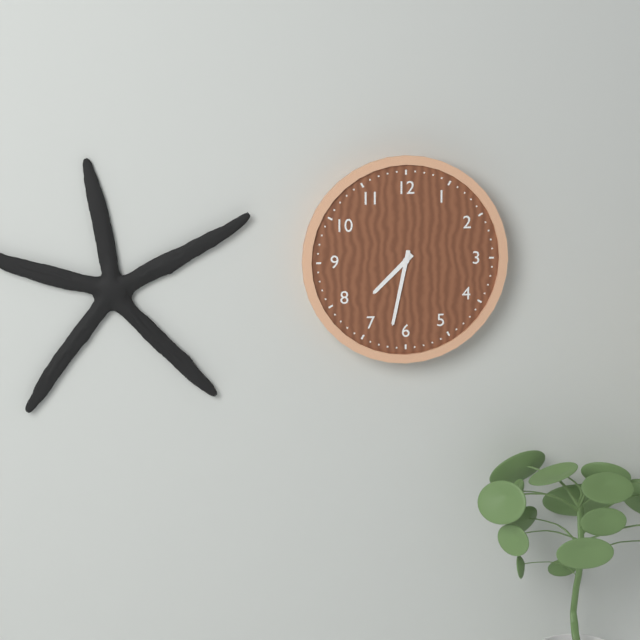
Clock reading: **7:32**
